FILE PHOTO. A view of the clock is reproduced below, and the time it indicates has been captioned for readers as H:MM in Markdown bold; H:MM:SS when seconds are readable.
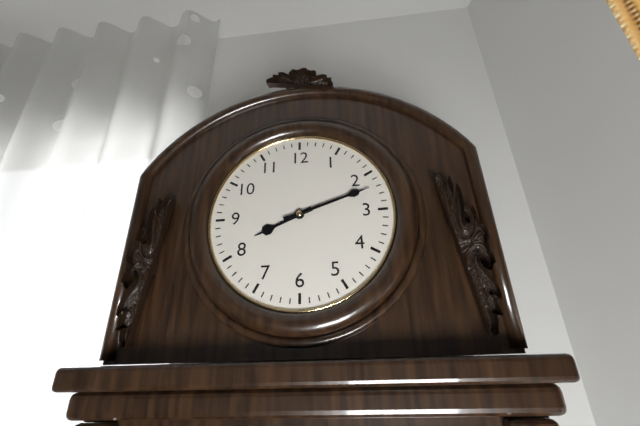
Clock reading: **8:12**
